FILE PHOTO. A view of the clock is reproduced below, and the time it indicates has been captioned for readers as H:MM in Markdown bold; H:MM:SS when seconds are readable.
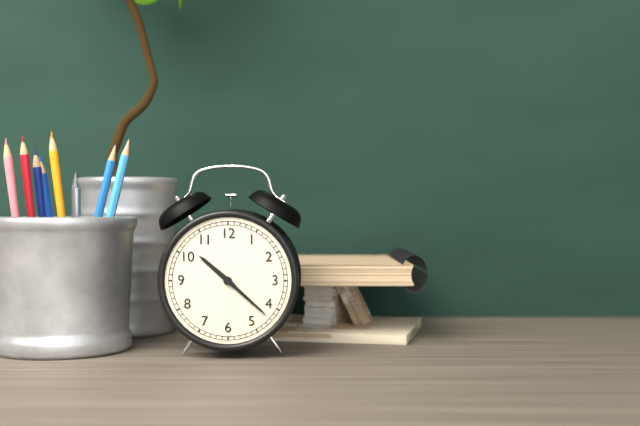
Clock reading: **10:22**
